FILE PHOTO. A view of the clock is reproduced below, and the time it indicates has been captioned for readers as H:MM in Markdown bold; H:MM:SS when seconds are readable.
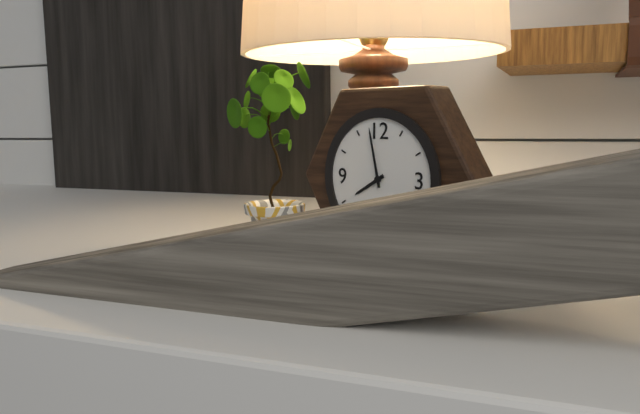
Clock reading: **7:58**
